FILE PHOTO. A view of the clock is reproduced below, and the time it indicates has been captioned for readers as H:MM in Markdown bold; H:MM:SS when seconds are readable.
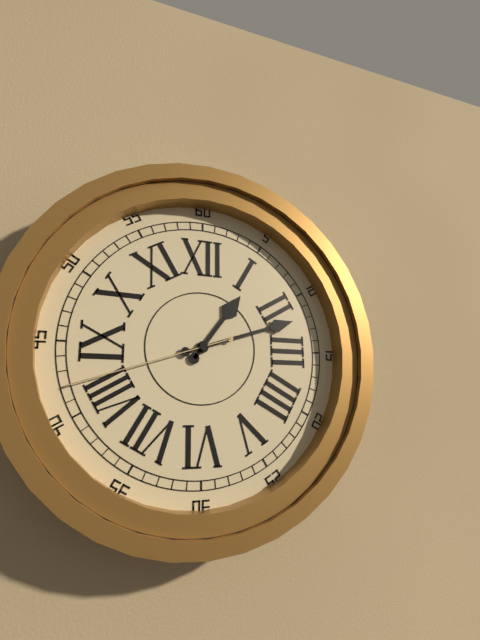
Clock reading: **1:12:42**
